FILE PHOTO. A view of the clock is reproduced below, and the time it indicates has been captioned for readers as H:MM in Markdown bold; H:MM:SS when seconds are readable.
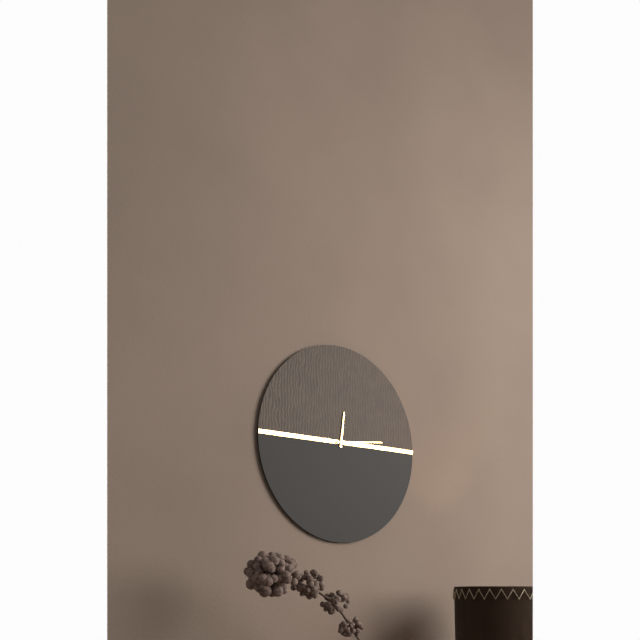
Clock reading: **12:14**
